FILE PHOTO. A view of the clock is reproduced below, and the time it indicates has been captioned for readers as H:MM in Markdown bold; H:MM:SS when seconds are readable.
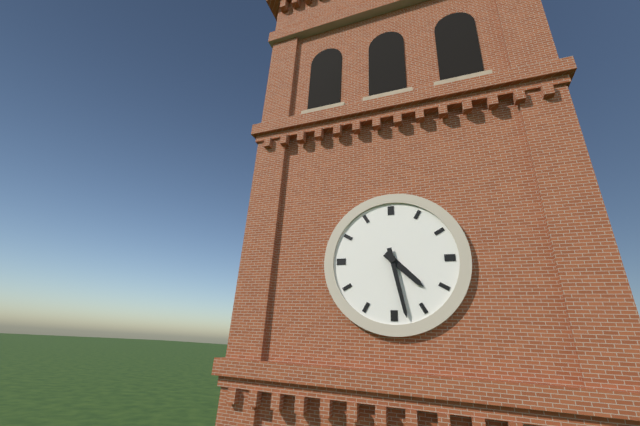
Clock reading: **4:28**
